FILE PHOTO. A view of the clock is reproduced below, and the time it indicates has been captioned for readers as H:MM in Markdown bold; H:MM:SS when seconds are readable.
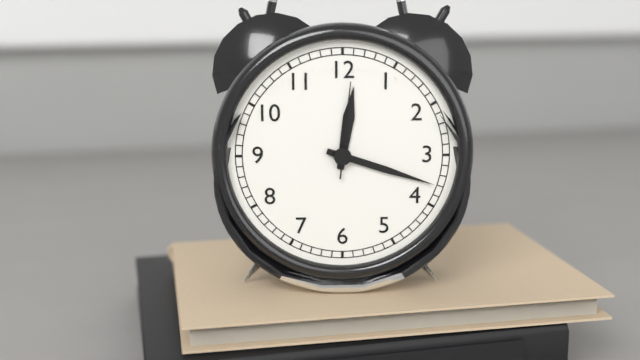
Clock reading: **12:18:01**
